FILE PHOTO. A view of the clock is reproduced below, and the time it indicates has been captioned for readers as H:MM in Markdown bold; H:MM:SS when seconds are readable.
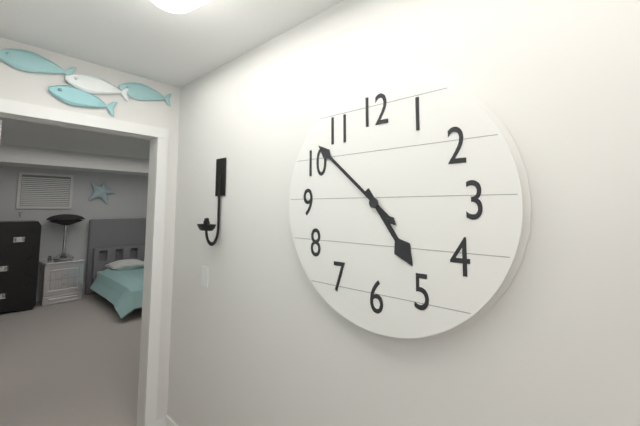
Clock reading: **4:52**
